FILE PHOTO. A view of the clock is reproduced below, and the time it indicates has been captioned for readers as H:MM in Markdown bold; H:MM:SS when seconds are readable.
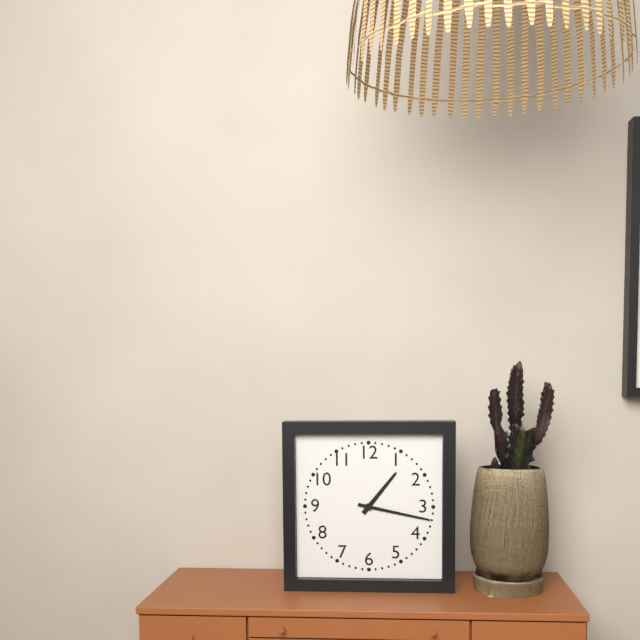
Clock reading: **1:17**
